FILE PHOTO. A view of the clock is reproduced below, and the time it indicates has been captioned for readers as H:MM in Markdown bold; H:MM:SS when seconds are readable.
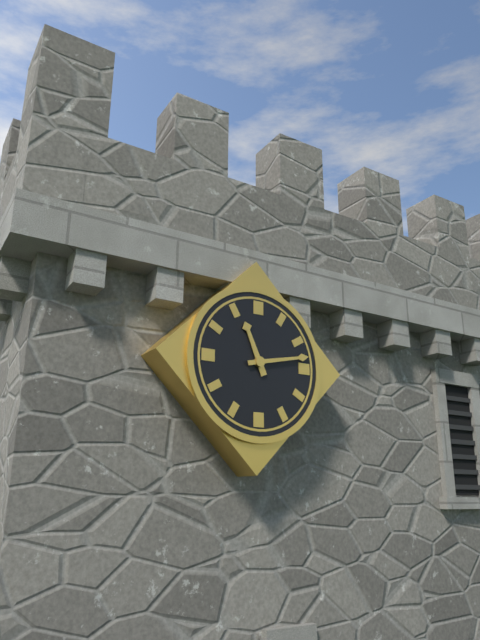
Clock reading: **11:13**
